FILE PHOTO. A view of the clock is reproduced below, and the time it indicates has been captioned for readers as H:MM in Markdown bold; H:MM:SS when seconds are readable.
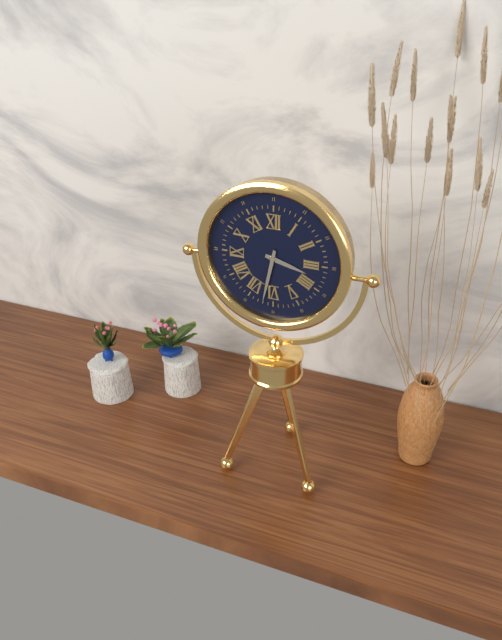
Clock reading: **3:32**
